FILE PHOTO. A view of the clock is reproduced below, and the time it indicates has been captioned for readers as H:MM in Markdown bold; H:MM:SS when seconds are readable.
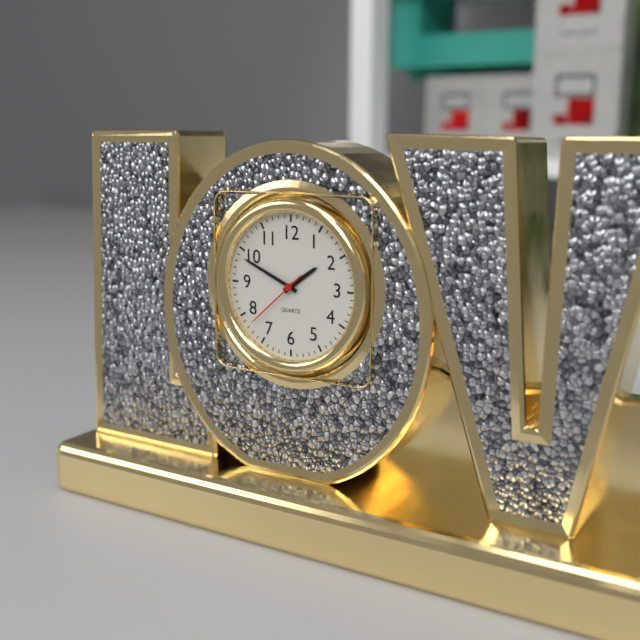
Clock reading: **1:49:38**
